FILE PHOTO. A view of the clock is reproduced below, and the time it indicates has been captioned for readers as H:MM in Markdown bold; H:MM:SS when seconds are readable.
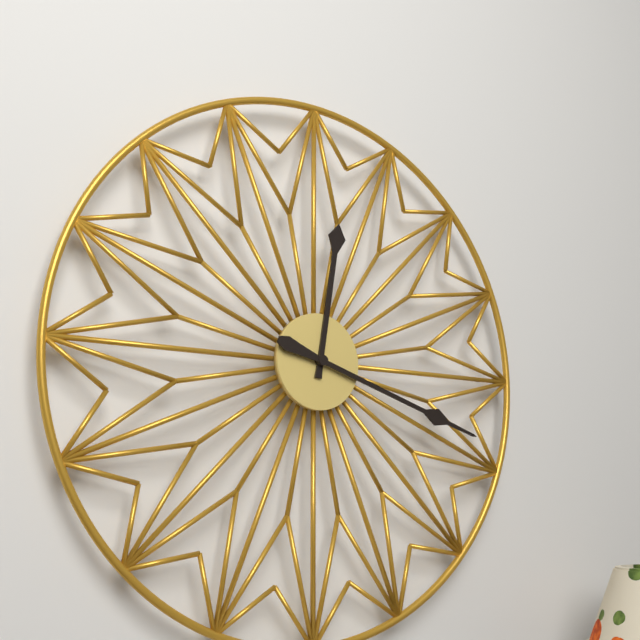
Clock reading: **12:18**
